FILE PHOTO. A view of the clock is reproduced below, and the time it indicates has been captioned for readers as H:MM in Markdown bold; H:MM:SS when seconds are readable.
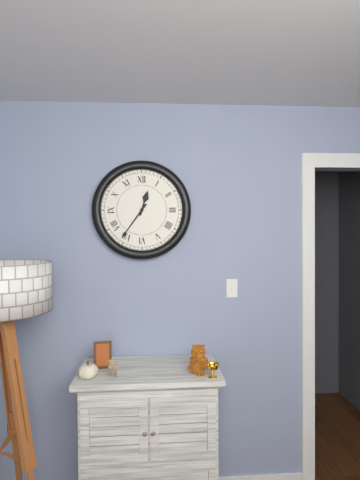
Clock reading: **12:36**
